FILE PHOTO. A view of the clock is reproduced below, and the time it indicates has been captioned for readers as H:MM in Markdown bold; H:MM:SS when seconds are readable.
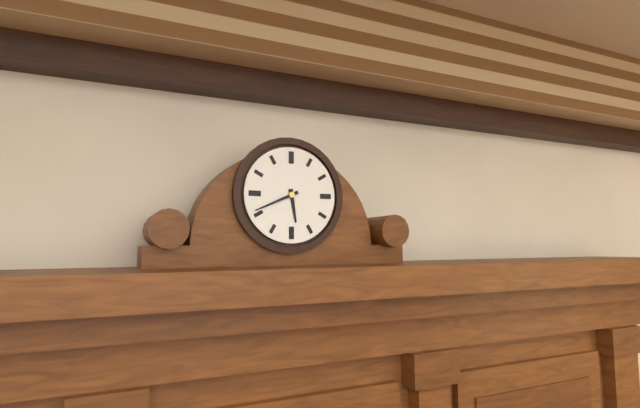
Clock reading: **5:41**
